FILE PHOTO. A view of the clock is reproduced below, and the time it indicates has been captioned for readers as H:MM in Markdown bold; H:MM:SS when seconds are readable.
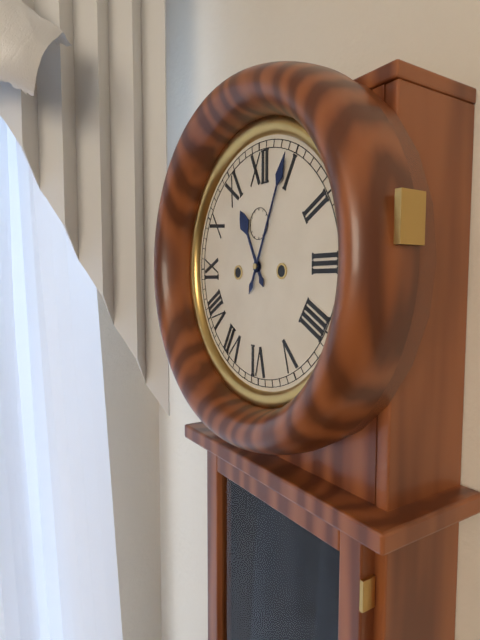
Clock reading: **11:04**
